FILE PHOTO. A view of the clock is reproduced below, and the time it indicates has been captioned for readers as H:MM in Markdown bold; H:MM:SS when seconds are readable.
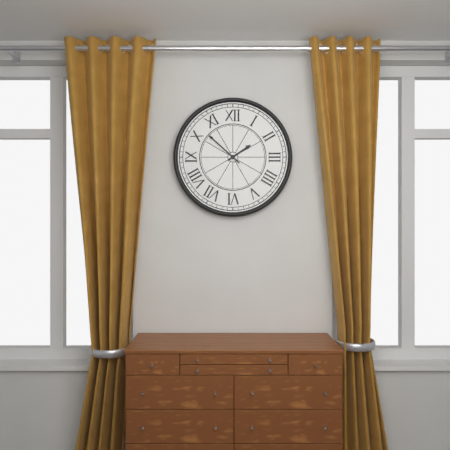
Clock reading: **1:52**
